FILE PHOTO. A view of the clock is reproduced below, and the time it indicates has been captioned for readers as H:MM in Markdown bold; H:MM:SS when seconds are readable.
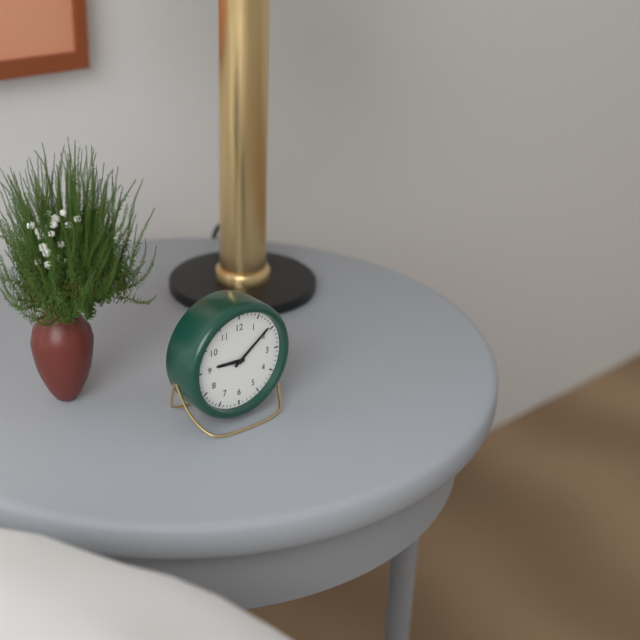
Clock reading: **9:09**
